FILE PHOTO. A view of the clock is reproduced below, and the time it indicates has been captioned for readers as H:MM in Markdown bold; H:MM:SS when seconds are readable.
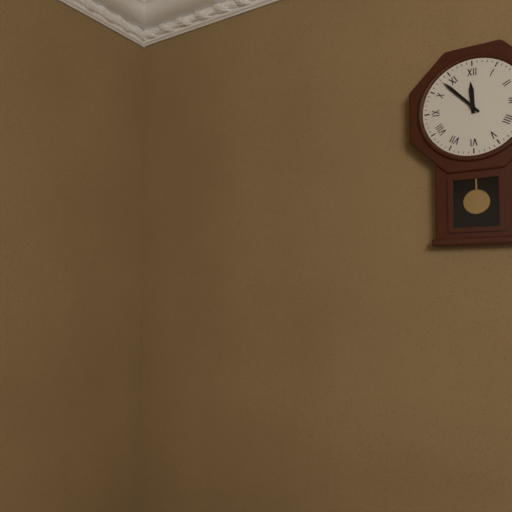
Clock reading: **11:53**
